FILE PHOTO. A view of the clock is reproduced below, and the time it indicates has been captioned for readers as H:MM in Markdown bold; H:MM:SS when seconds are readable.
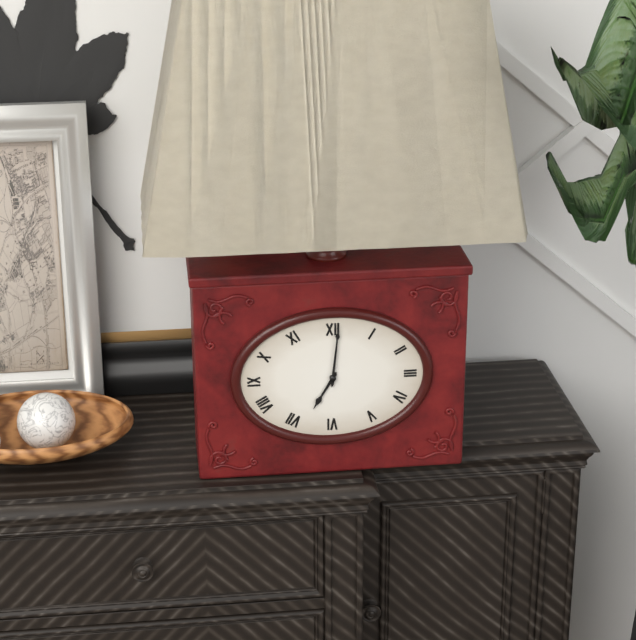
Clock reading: **7:01**
